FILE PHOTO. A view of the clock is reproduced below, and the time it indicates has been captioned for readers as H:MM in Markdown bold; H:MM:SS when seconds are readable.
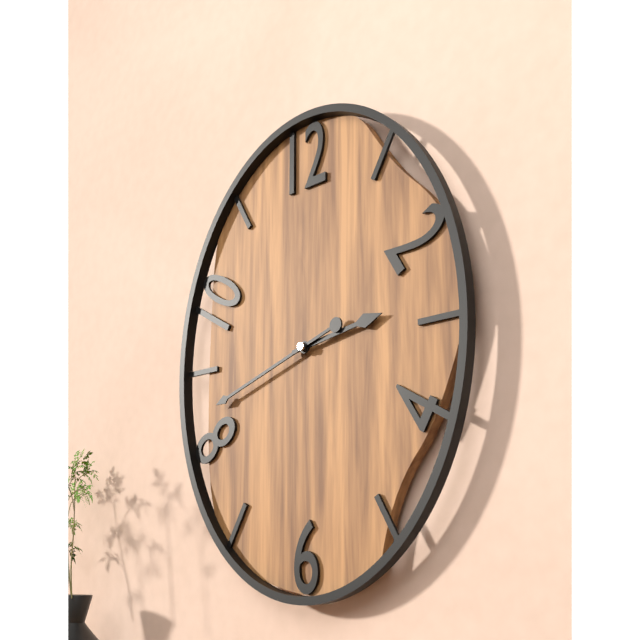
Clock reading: **2:42**
